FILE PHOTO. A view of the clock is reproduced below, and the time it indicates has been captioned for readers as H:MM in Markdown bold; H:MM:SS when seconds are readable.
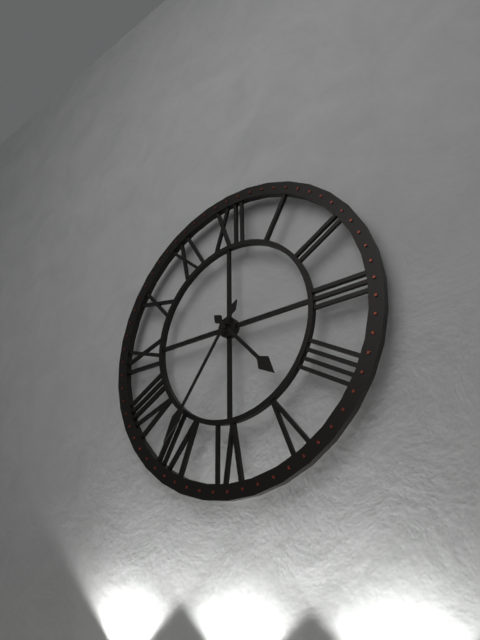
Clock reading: **4:36**
